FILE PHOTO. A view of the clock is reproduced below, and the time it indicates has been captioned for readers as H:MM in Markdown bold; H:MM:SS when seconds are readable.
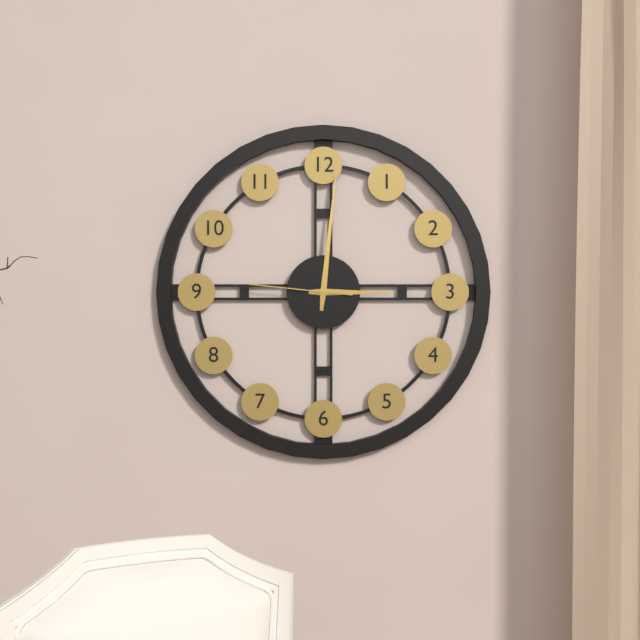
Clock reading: **3:01:46**
